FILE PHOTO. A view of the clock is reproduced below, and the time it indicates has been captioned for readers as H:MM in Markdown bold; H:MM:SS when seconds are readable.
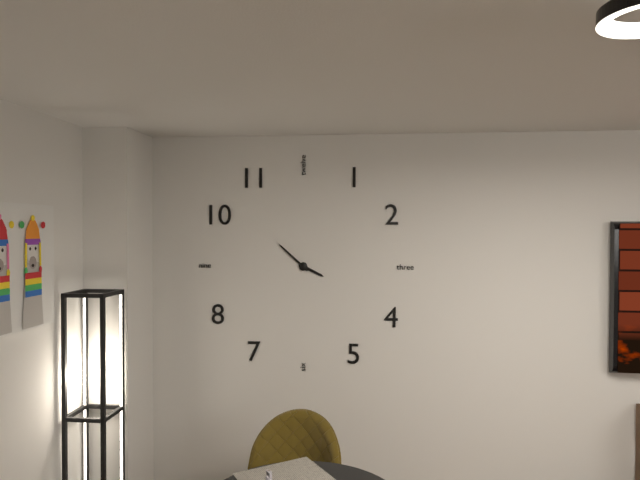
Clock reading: **3:52**
